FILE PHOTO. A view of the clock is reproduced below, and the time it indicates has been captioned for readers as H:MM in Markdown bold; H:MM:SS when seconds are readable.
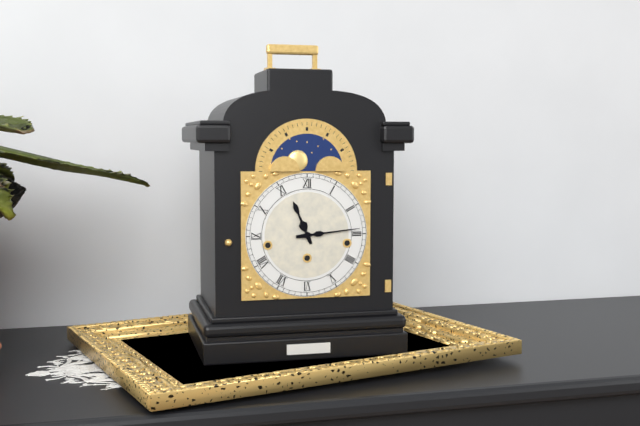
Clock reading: **11:14**
